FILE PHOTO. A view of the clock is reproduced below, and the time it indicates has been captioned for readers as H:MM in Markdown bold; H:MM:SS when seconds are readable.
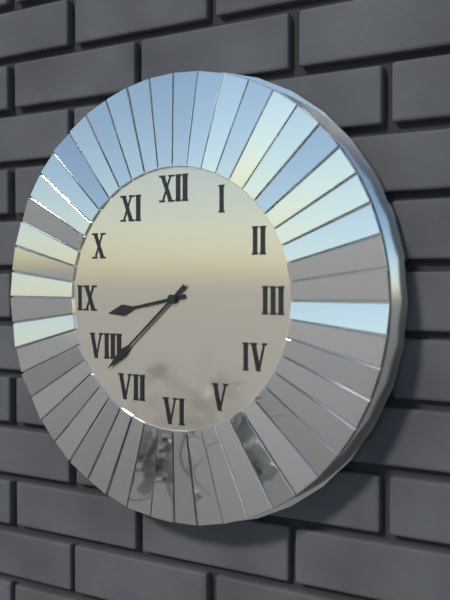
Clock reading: **8:38**
